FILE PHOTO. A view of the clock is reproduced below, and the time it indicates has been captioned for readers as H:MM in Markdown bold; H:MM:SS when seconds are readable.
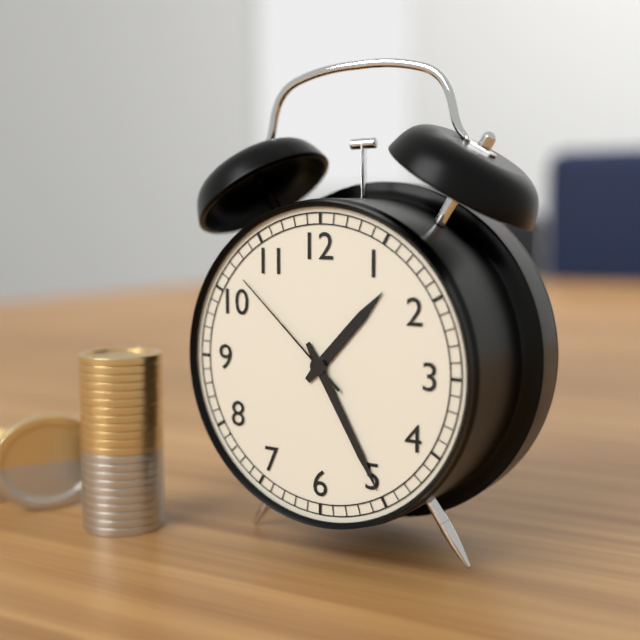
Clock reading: **1:25:52**
